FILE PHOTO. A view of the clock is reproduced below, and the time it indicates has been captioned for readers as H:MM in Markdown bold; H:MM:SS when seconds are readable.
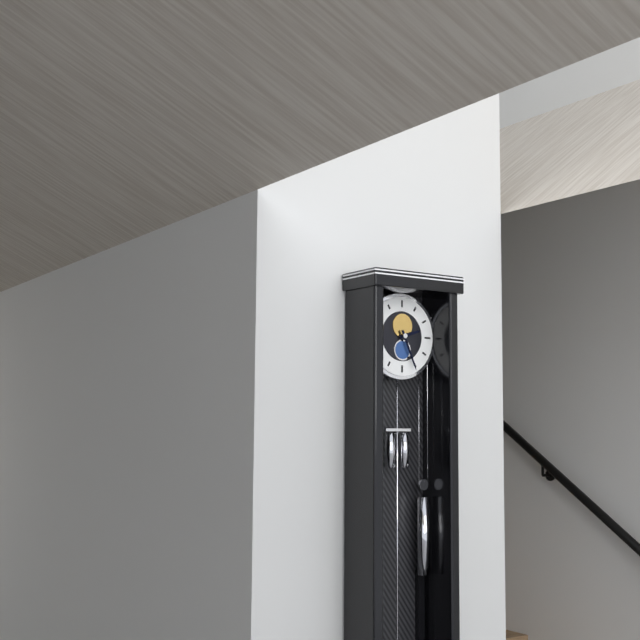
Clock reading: **2:26**
